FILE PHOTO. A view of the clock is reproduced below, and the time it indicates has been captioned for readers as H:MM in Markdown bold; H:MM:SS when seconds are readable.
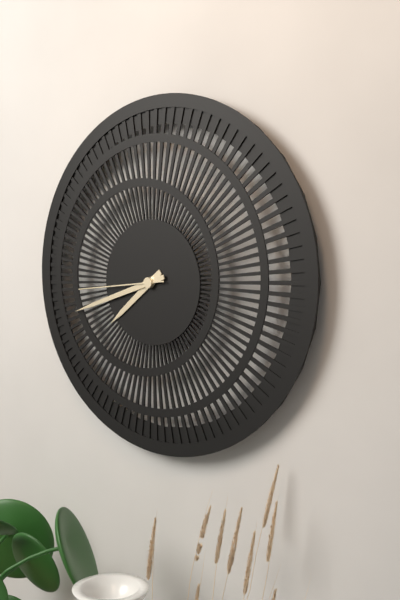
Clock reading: **7:42:44**
